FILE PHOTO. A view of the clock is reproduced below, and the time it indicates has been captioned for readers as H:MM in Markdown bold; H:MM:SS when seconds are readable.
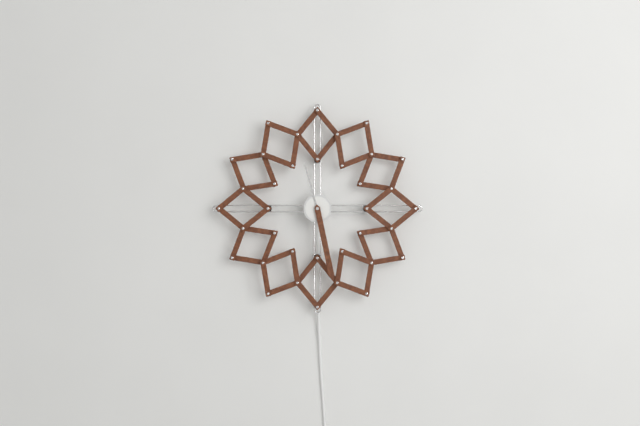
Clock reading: **11:28**
